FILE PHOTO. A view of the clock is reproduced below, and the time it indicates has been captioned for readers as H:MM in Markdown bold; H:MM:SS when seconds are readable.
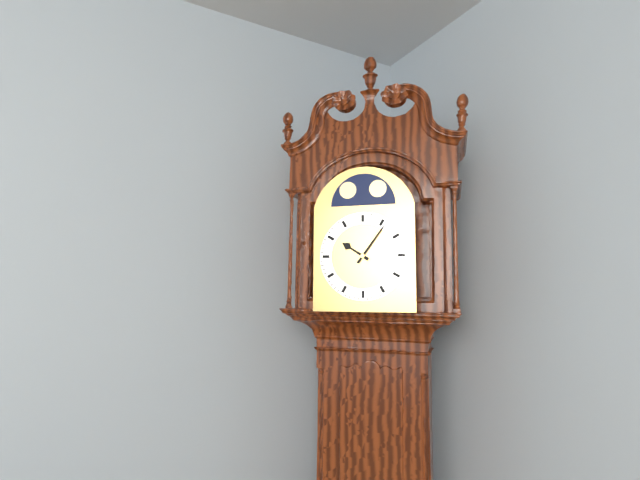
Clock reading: **10:06**
